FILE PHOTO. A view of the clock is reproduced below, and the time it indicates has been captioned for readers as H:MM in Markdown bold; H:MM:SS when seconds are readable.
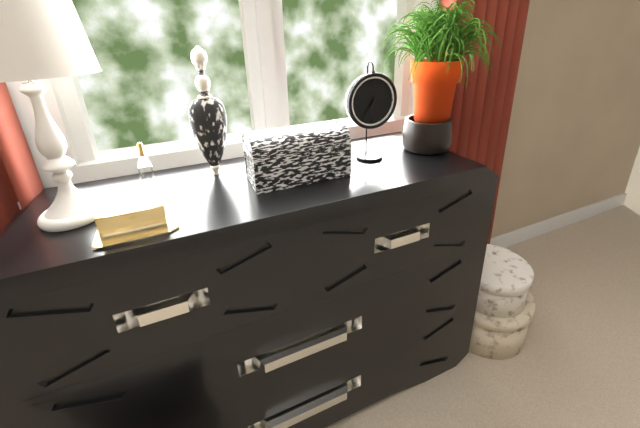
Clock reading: **6:36**
